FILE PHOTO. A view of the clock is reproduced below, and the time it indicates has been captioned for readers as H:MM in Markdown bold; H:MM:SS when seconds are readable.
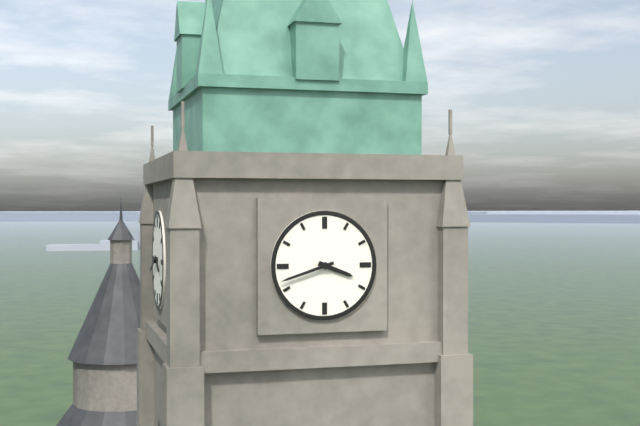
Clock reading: **3:42**
